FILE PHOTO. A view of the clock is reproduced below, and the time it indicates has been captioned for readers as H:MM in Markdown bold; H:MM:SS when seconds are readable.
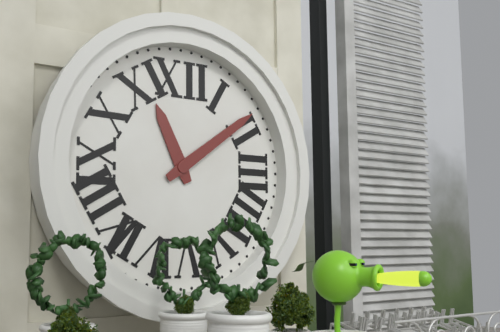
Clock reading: **11:09**
